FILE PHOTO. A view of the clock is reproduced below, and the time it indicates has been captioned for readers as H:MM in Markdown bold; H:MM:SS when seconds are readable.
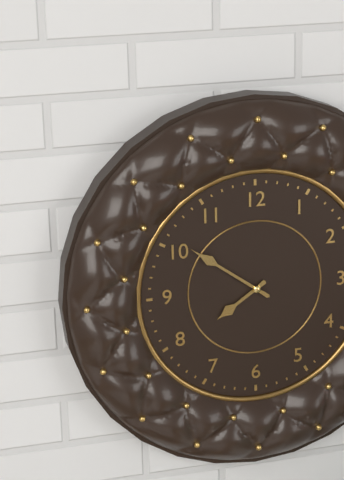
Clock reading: **7:51**
